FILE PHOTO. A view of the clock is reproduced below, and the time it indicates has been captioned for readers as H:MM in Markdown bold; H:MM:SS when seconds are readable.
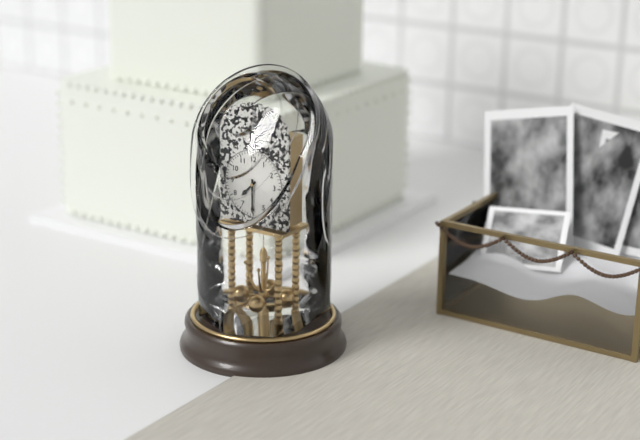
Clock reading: **7:30**
